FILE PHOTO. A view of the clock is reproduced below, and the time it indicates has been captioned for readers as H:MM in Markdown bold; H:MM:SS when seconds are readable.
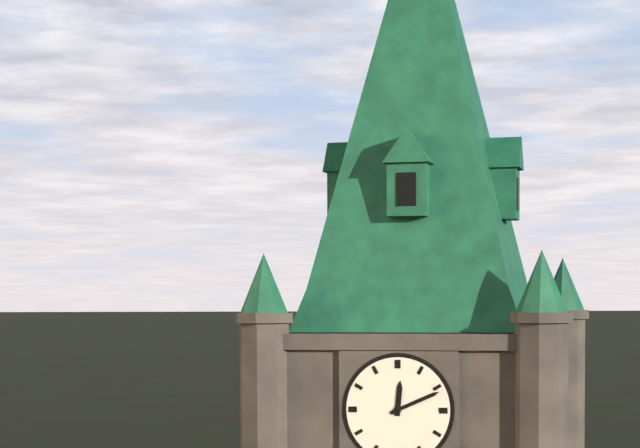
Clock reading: **12:11**
